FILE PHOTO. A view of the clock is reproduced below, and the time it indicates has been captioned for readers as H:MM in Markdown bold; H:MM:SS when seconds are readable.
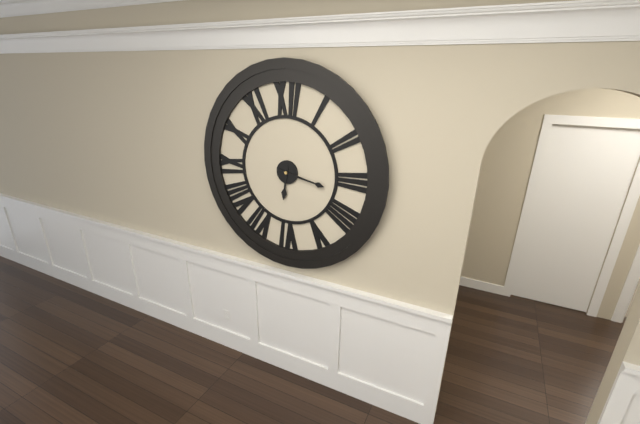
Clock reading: **6:17**
